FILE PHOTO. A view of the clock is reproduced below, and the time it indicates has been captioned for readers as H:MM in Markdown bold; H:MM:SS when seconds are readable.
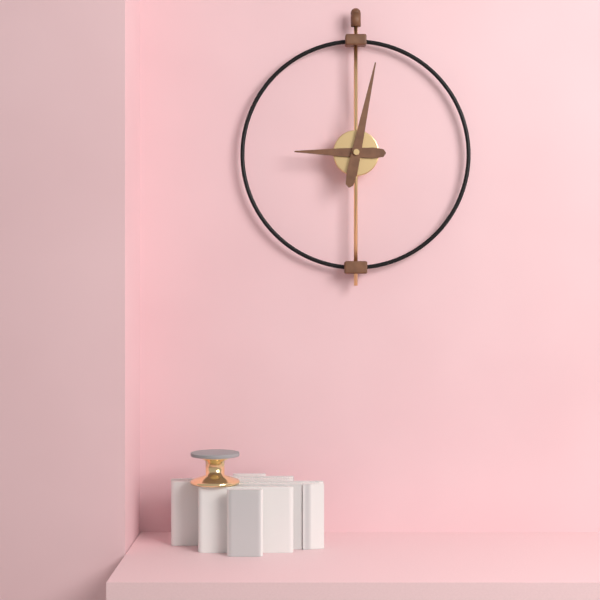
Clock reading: **9:02**
